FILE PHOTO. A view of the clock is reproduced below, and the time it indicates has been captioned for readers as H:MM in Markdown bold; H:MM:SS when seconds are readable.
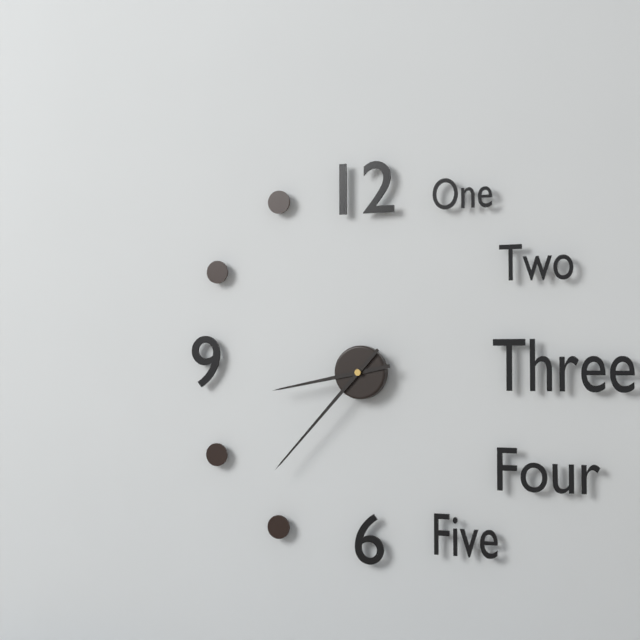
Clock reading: **8:37**
